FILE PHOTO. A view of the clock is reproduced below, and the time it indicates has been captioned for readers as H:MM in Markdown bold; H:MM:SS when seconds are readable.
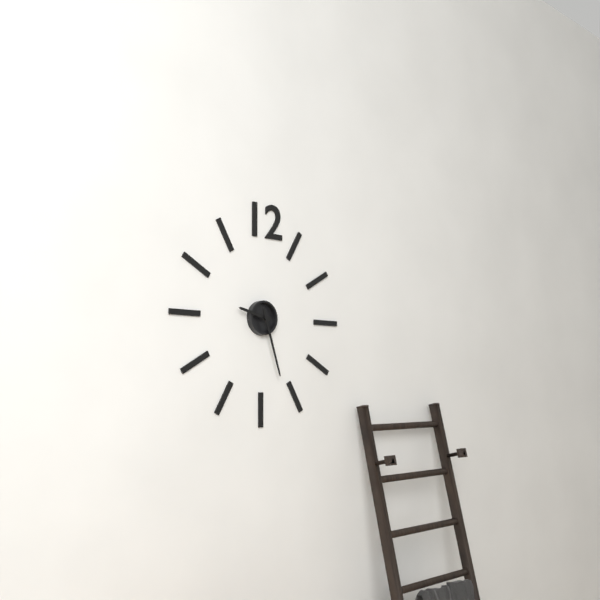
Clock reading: **9:27**
